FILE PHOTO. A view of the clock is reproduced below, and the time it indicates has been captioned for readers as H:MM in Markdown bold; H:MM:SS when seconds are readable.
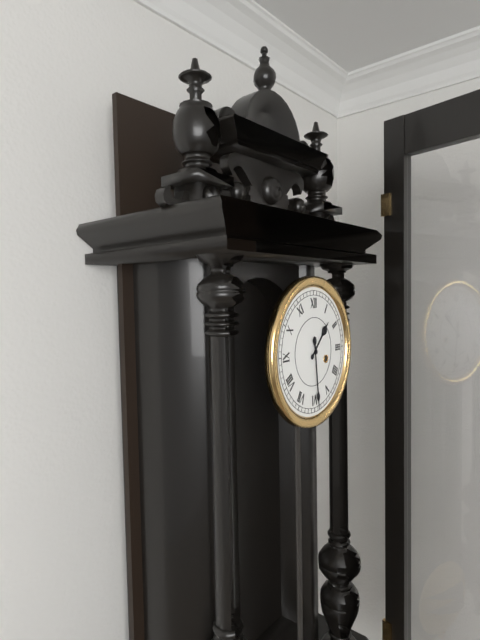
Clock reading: **1:29**
